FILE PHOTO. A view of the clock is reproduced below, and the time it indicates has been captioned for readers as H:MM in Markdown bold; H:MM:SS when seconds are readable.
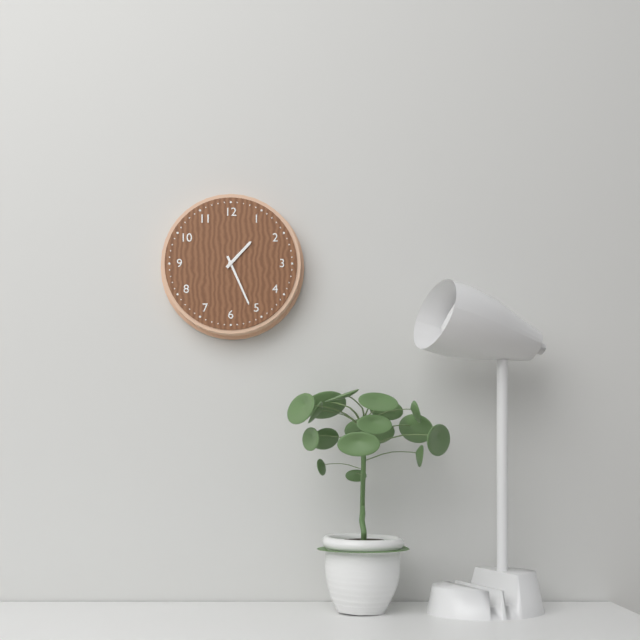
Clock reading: **1:26**
